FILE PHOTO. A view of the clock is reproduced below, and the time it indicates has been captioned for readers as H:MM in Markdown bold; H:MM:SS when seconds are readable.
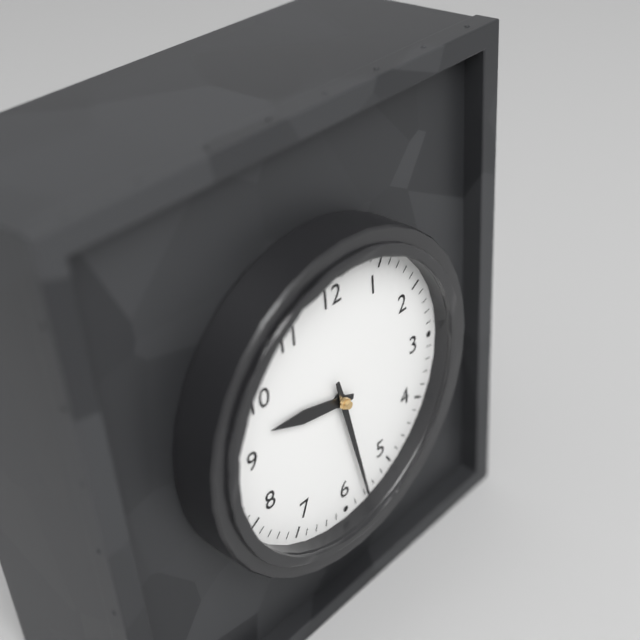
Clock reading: **9:28**
